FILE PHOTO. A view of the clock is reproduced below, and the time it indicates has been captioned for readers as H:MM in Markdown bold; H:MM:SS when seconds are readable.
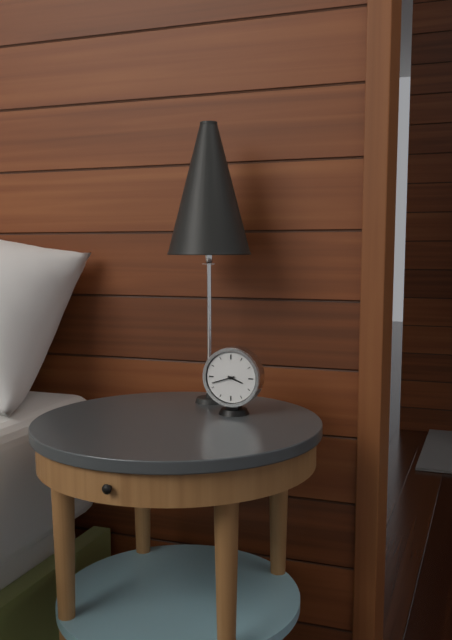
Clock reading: **3:42**
